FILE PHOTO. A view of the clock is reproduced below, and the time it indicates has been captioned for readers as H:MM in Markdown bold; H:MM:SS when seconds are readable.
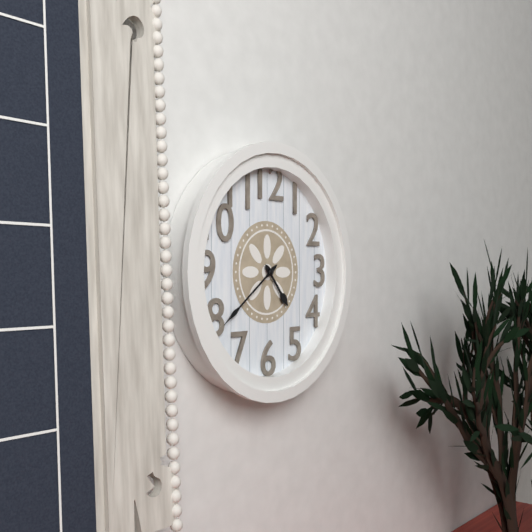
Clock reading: **4:39**
